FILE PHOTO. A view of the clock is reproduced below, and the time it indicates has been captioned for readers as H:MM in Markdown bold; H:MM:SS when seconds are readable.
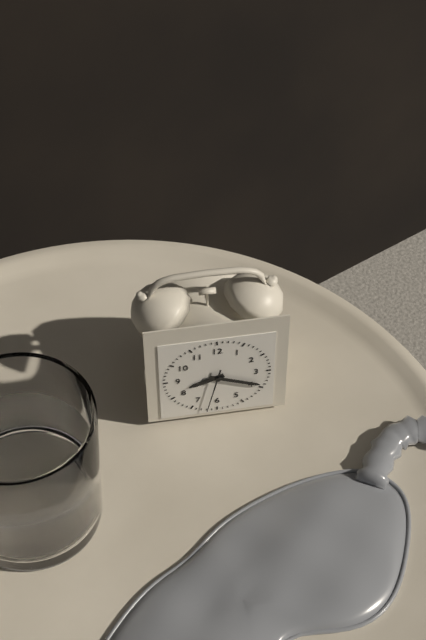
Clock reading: **8:19**
